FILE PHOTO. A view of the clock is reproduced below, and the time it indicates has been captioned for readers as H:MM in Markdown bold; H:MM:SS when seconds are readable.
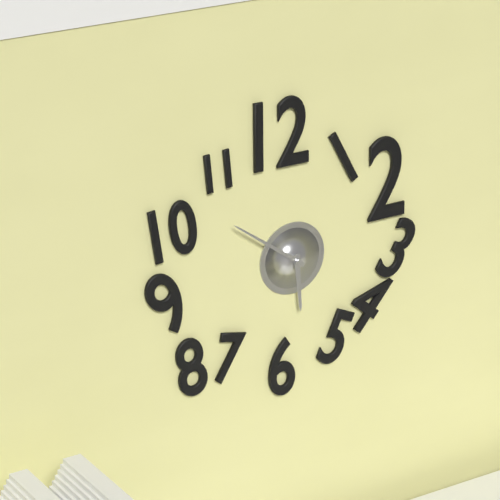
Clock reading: **5:51**
